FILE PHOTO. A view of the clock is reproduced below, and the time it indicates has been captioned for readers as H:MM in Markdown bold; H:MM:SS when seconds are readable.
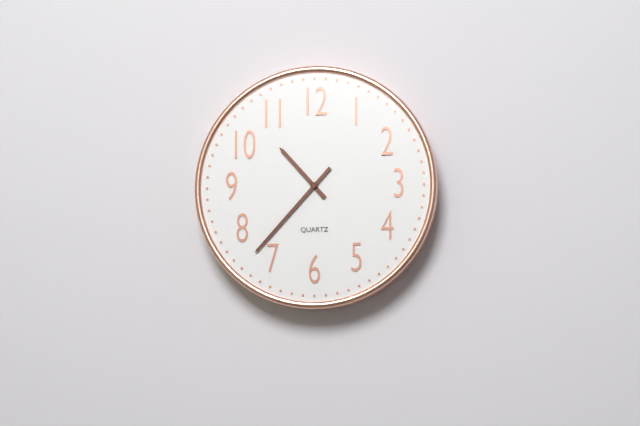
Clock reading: **10:37**
